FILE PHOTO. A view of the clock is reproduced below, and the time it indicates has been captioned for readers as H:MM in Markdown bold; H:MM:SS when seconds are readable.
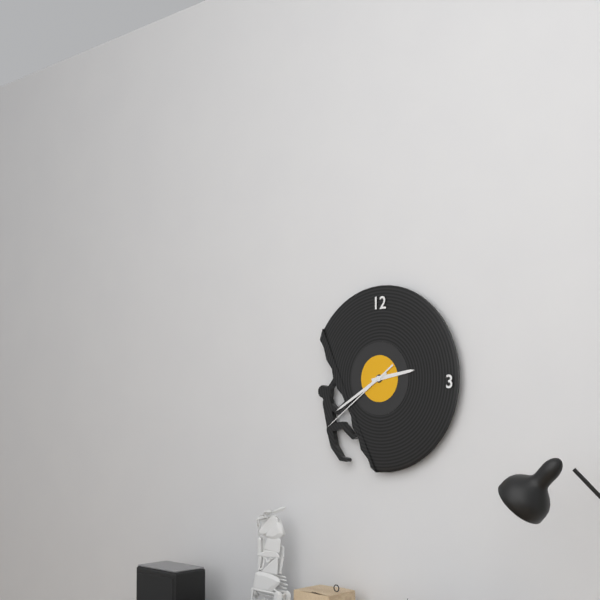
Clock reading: **2:40:39**
